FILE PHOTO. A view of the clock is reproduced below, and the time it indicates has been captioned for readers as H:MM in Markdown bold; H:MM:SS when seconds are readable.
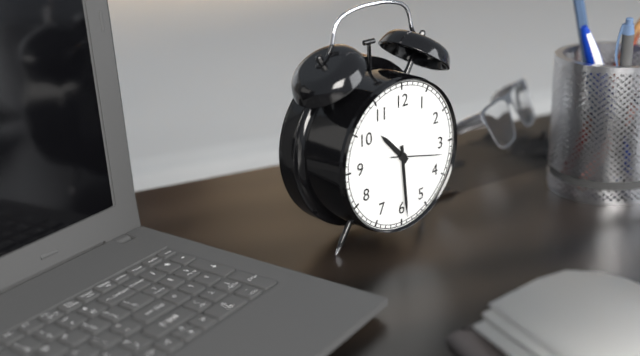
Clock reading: **10:29:17**
